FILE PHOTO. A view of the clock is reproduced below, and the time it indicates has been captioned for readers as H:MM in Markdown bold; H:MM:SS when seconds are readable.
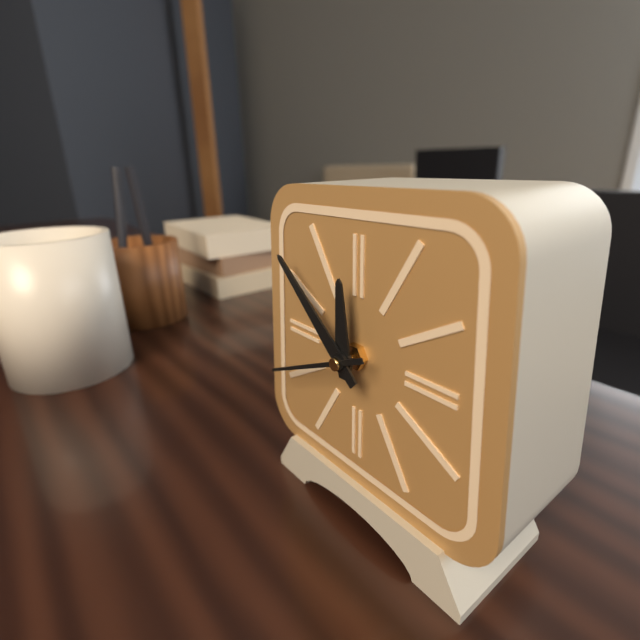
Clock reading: **11:52:41**
